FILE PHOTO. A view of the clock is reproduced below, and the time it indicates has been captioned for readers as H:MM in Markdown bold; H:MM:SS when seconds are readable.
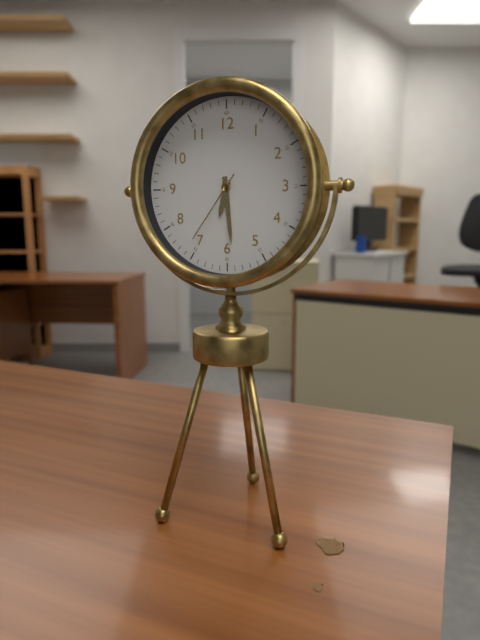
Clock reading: **6:29:36**
